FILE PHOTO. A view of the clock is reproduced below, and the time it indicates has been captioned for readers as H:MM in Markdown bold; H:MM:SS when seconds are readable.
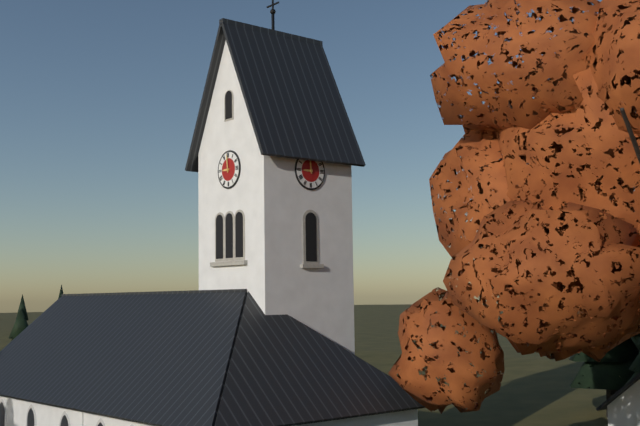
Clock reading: **8:59**
